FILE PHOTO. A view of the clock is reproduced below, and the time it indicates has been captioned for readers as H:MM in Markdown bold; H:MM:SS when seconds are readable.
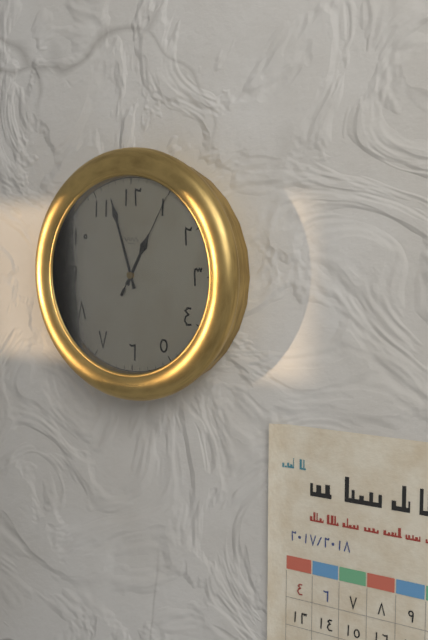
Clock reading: **12:57:05**
